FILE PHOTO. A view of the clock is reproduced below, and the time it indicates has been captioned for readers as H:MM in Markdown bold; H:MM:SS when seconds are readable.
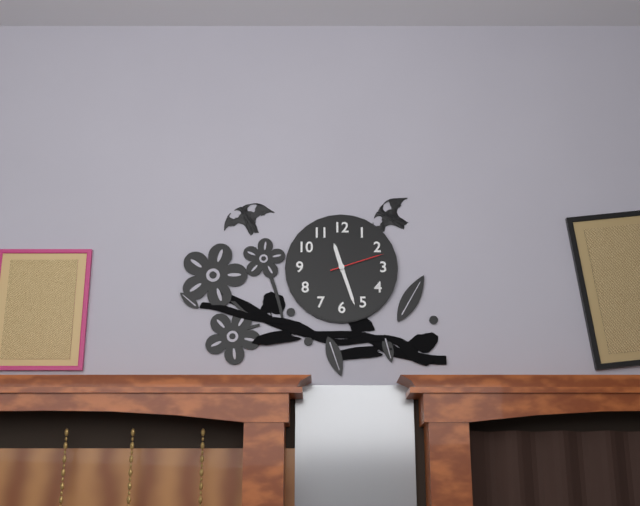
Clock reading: **11:27:12**
